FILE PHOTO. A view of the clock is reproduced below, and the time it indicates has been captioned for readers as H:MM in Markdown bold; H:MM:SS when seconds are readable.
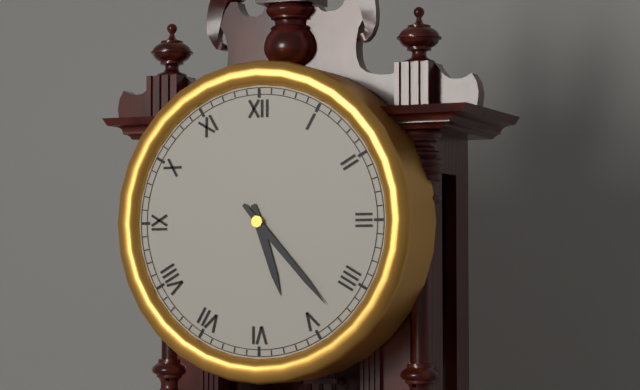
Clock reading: **5:23**
